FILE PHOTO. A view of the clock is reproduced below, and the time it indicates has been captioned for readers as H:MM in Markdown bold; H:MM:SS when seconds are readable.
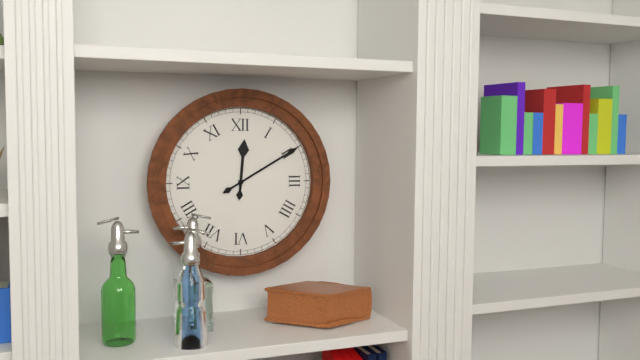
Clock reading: **12:10**
